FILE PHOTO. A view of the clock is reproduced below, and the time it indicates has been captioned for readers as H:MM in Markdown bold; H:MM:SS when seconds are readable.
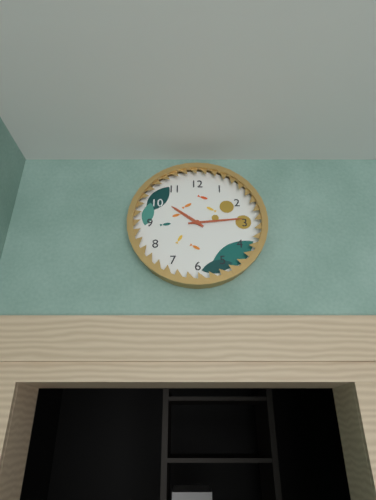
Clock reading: **10:14**
